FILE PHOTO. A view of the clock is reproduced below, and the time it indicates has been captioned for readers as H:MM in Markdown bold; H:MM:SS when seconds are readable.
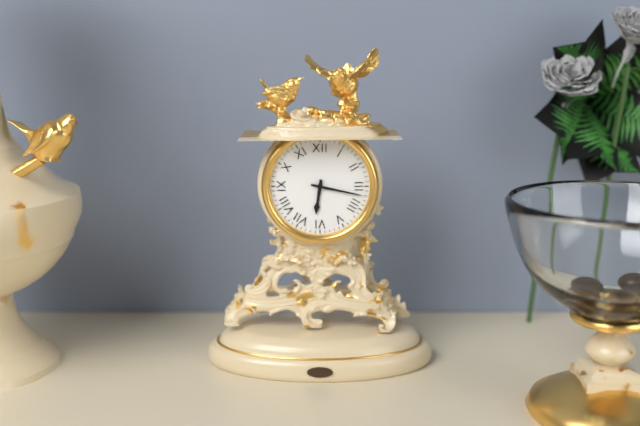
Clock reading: **6:17**
